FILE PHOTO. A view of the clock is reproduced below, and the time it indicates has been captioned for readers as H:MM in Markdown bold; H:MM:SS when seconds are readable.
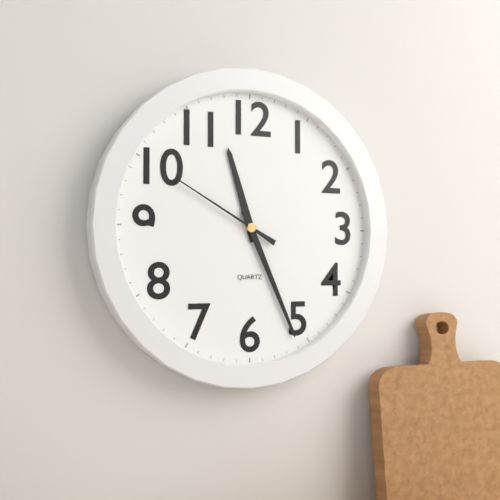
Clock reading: **11:26:50**
